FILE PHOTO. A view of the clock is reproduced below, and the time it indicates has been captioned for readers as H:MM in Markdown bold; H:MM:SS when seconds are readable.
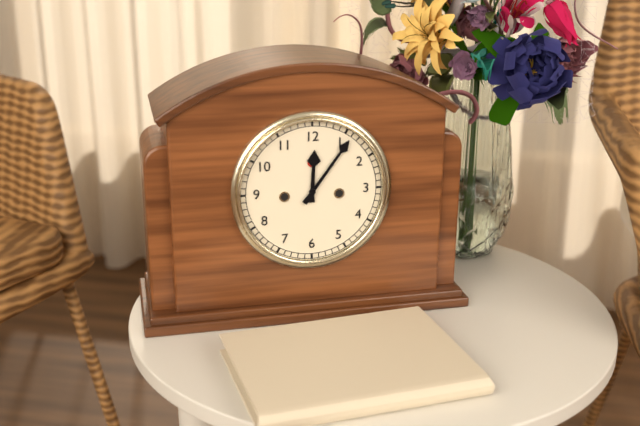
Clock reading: **12:06**
